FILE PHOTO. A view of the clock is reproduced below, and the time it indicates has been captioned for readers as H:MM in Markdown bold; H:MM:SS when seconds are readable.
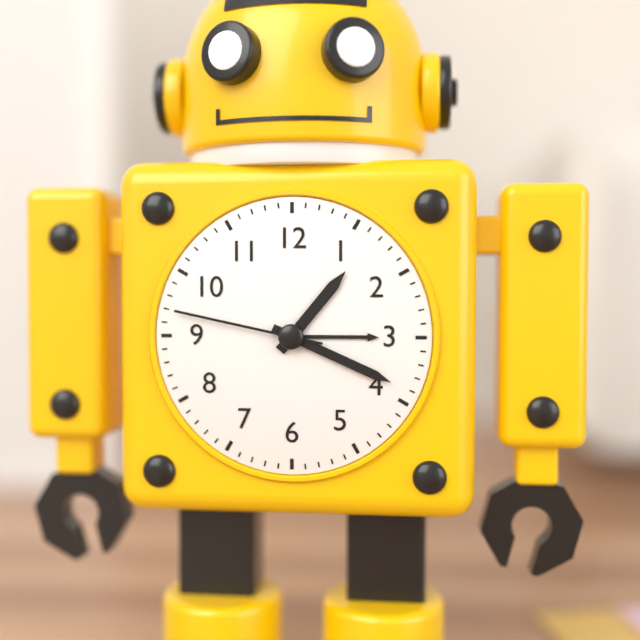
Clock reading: **1:19:47**
